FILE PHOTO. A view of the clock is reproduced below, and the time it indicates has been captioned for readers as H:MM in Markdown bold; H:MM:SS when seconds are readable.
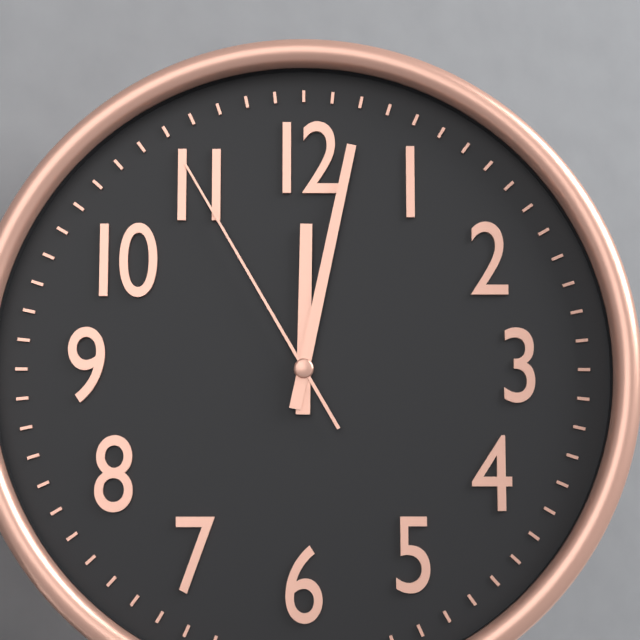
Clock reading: **12:02:55**
